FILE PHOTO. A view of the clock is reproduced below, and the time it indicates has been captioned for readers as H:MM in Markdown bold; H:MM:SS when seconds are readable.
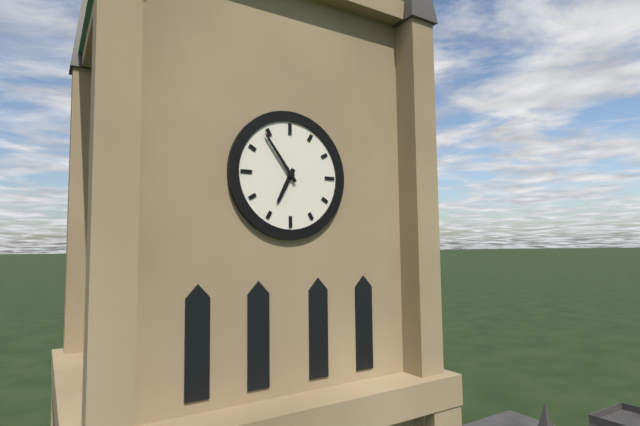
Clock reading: **6:54**
